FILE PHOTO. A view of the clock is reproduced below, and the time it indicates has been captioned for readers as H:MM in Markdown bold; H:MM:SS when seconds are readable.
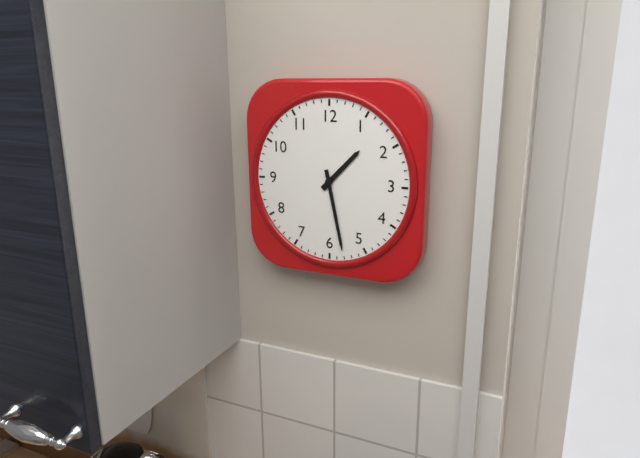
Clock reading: **1:28**
